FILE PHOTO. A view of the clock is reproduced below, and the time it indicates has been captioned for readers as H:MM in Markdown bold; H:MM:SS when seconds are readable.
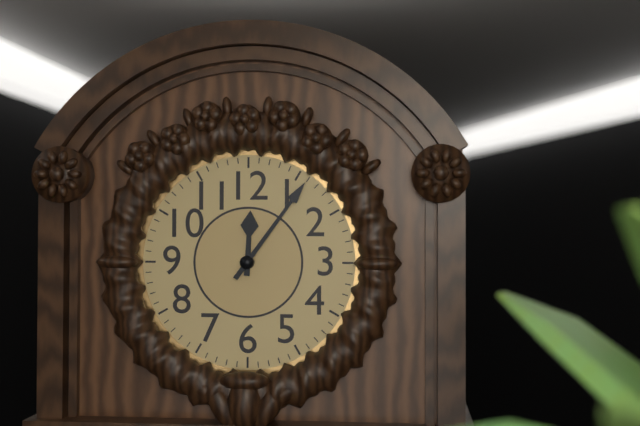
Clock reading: **12:06**
